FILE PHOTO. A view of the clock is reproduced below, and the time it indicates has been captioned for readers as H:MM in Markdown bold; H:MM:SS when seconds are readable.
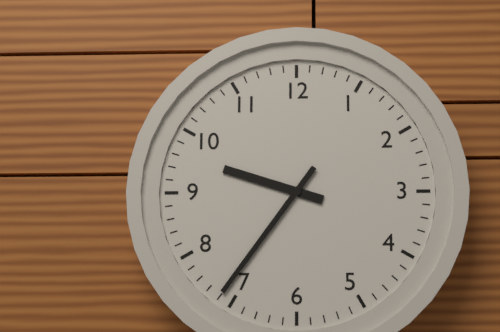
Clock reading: **9:36**
